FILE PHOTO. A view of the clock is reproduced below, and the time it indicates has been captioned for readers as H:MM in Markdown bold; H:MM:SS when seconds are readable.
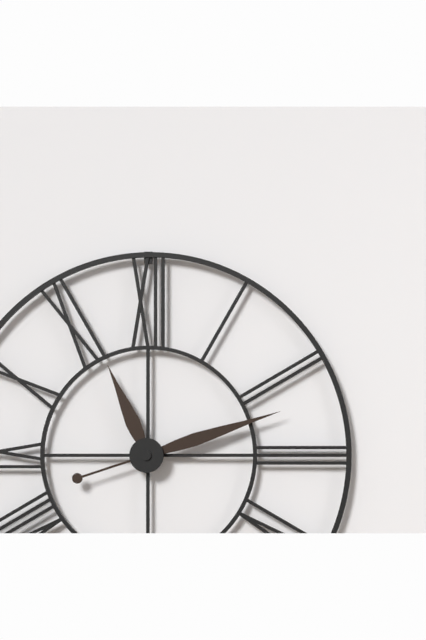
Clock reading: **11:12**
